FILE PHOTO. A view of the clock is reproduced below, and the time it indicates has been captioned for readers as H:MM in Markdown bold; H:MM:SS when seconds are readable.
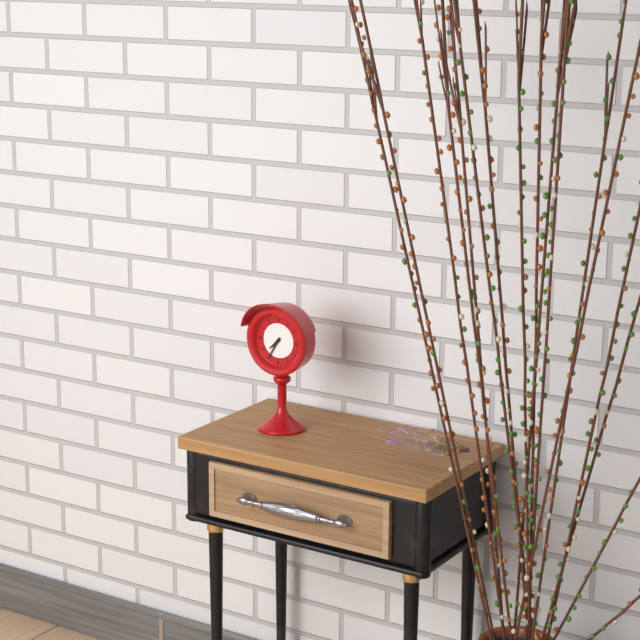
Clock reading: **7:35**
